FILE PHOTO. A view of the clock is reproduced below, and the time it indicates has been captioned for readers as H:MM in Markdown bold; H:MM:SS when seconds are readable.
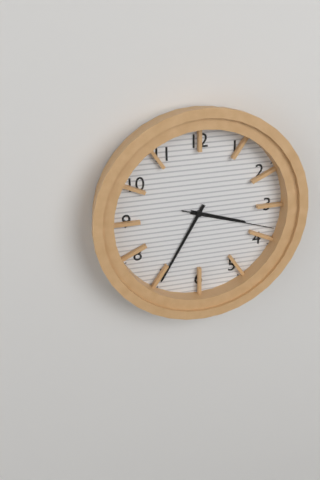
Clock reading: **3:35:18**
